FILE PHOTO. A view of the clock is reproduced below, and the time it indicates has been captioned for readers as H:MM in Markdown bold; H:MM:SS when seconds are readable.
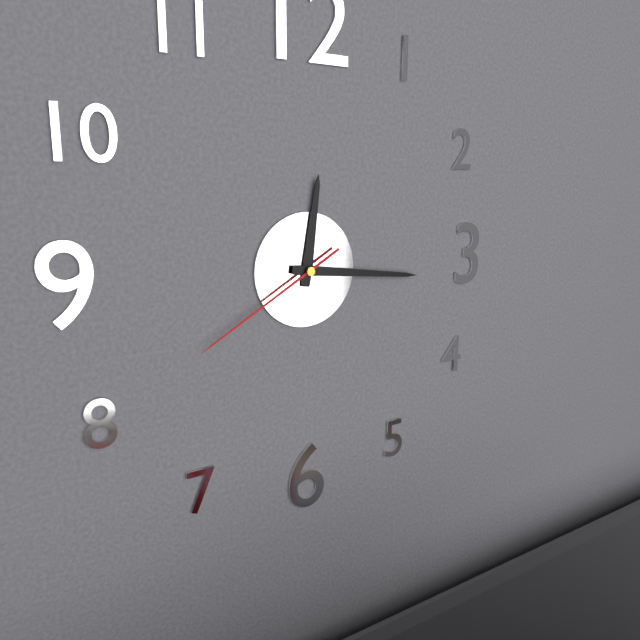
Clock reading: **12:16:40**
